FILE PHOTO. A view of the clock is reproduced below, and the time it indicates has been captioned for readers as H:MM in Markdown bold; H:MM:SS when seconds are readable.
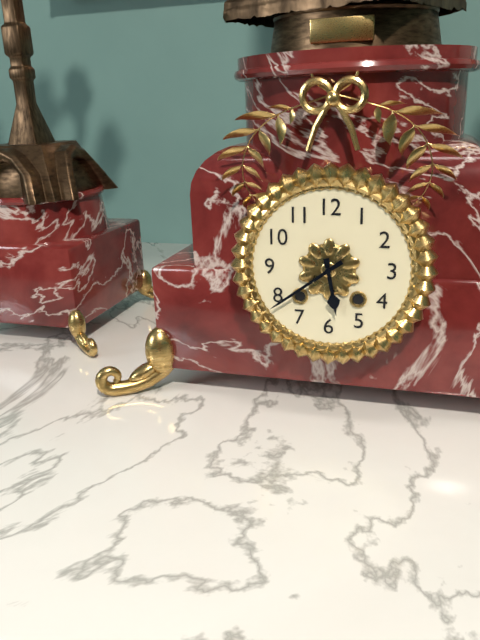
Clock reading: **5:39**
